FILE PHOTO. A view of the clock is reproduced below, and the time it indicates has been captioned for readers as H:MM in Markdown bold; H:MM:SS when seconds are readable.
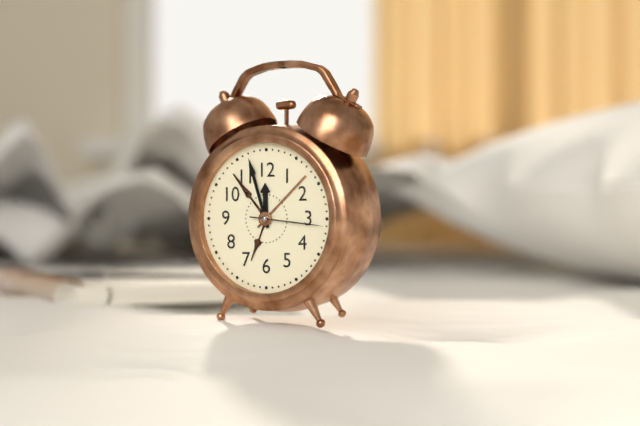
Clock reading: **11:57:16**
